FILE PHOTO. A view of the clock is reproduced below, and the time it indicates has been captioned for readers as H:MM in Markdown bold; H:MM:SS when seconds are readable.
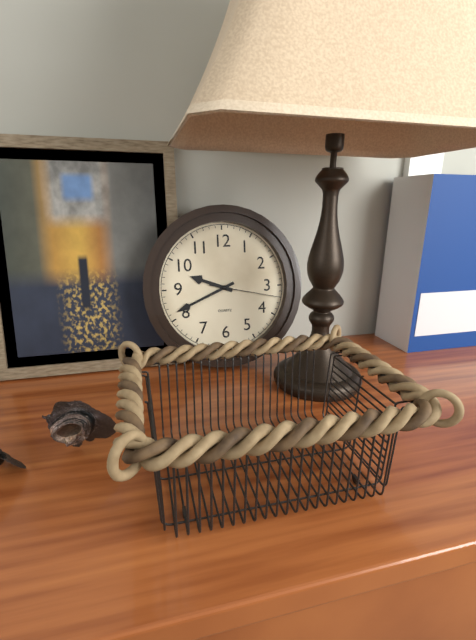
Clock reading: **9:41:17**
